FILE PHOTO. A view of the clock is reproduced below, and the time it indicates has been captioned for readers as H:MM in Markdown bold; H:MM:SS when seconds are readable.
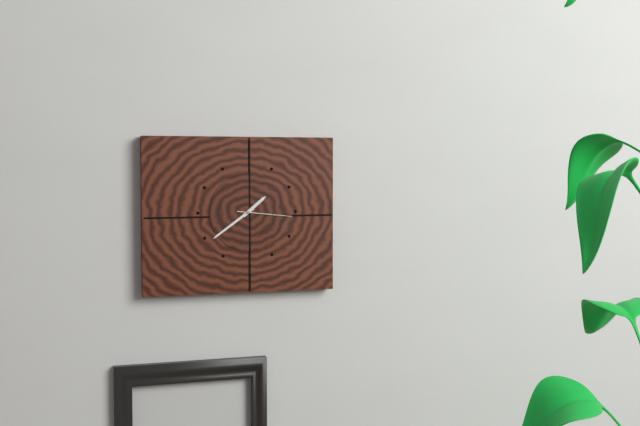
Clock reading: **1:39:16**
